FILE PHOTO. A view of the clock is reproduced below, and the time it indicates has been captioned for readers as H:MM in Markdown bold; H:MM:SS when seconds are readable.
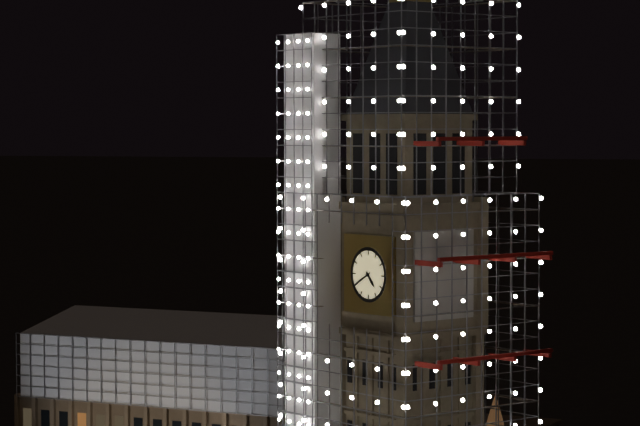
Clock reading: **4:40**
